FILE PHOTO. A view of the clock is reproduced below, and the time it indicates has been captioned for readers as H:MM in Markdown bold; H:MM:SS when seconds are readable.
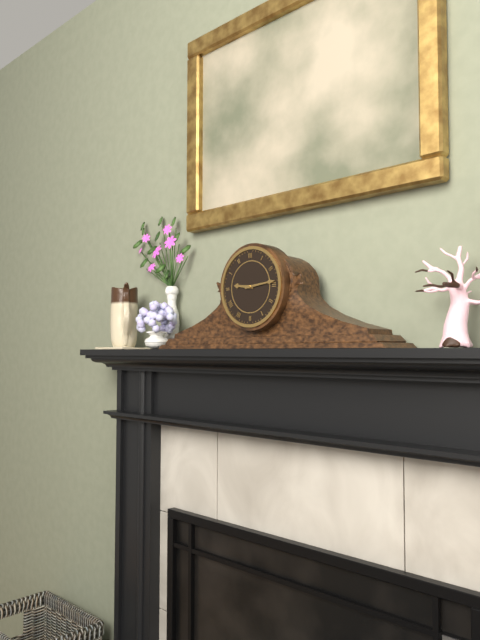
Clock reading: **9:14**
